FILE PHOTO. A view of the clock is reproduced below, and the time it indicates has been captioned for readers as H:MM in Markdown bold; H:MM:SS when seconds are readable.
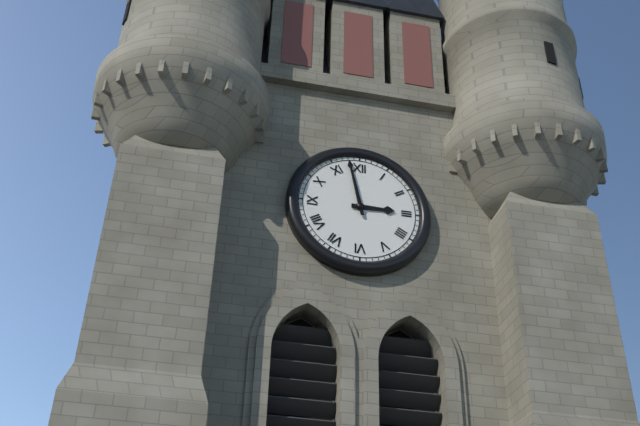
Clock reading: **2:58**
